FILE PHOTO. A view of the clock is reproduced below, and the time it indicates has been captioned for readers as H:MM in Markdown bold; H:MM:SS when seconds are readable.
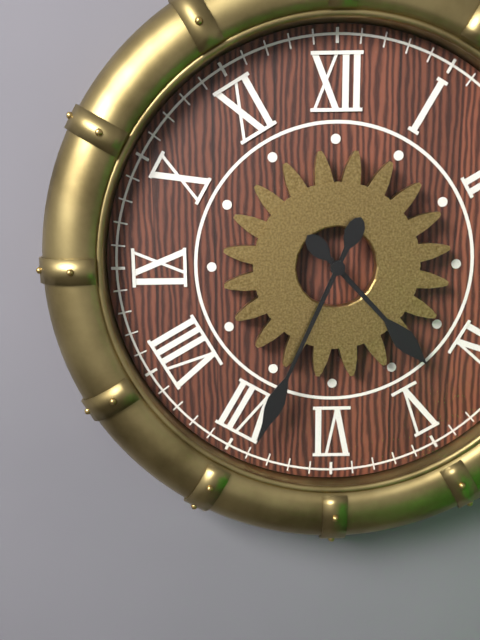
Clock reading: **4:34**
